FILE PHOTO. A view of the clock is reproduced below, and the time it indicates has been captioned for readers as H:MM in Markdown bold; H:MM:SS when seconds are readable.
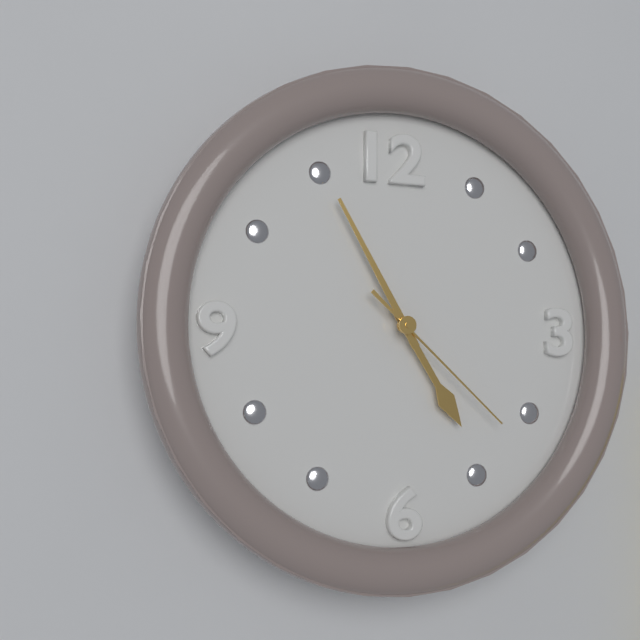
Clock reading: **4:55:22**
